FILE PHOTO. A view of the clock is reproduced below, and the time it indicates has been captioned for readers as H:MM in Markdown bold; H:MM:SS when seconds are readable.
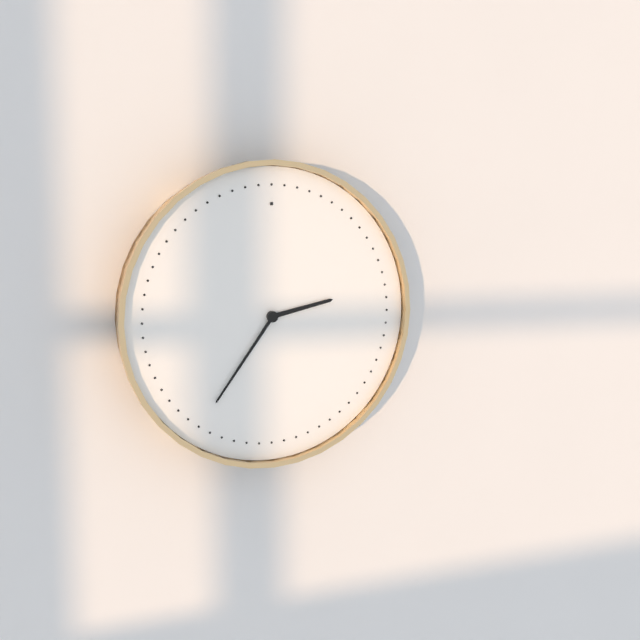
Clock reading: **2:36**
